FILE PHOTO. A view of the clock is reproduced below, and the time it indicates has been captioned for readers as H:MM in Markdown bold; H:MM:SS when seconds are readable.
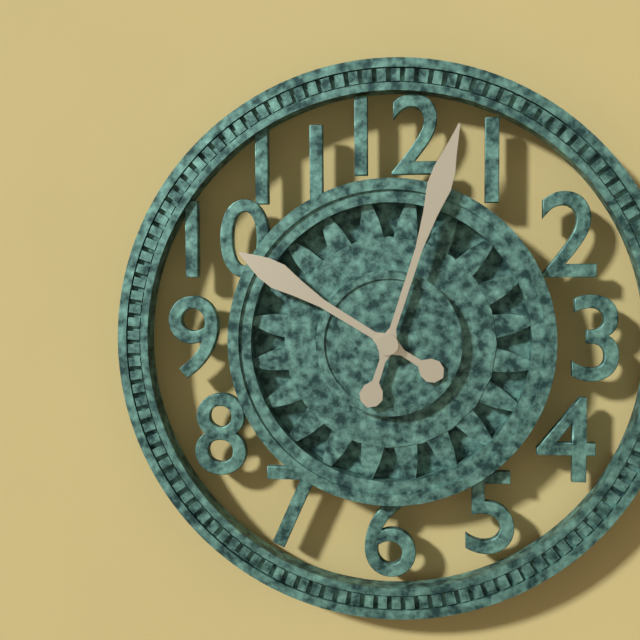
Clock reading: **10:03**
